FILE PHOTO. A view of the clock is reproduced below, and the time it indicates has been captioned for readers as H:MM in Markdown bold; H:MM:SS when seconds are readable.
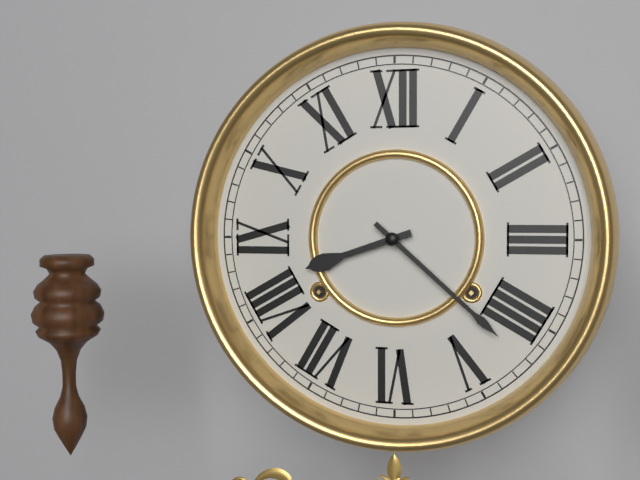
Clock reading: **8:22**
